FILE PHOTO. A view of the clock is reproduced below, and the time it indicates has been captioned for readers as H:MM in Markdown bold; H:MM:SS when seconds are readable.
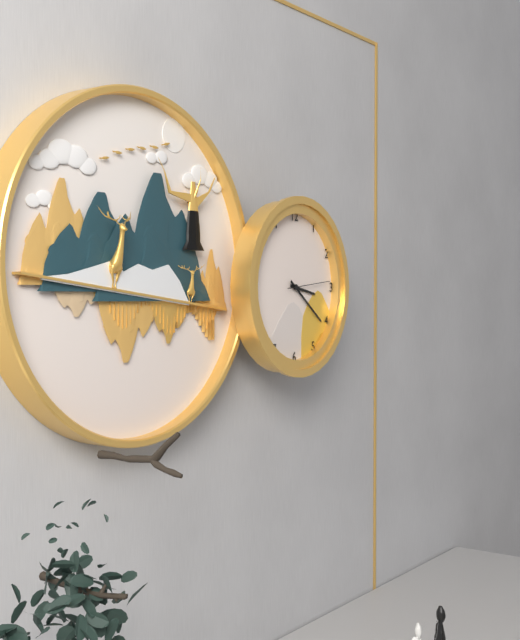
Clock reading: **3:21**
